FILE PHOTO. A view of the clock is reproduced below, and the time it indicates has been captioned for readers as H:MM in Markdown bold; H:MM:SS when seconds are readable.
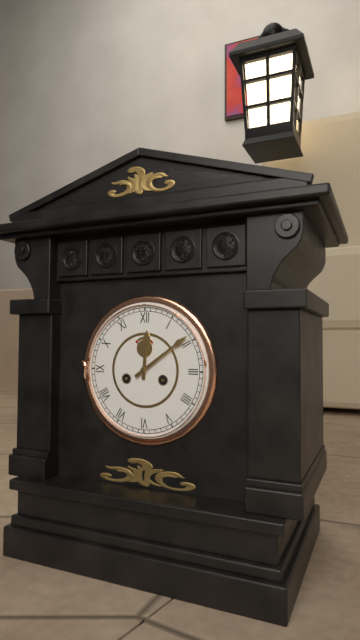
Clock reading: **12:09**
